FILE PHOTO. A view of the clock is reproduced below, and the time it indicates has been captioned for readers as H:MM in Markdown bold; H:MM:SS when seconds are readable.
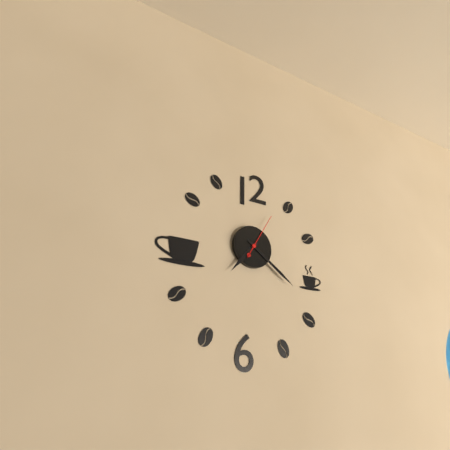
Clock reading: **7:21**
